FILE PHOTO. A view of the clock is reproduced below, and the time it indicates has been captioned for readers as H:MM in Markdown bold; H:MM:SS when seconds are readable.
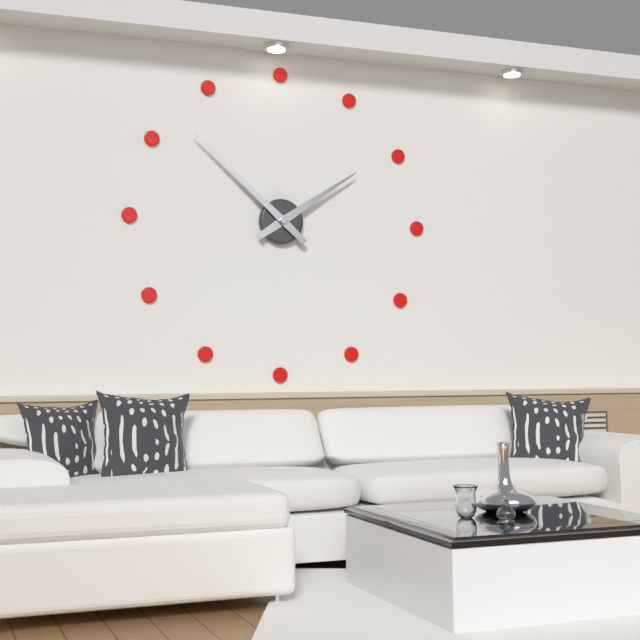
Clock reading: **1:52**
